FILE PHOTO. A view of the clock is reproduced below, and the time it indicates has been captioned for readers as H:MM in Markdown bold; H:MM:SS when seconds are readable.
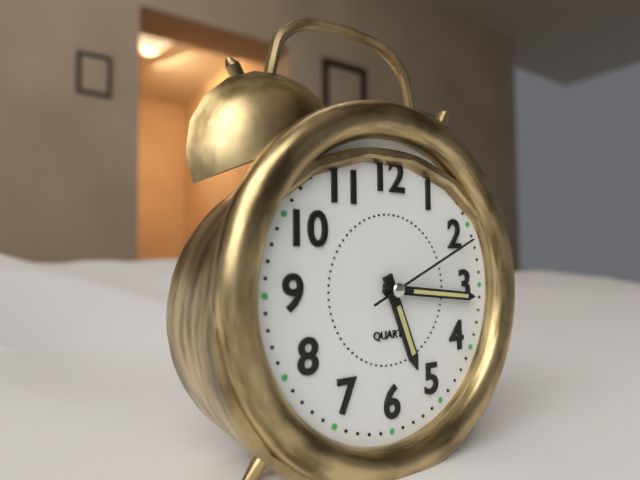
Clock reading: **5:16:11**
